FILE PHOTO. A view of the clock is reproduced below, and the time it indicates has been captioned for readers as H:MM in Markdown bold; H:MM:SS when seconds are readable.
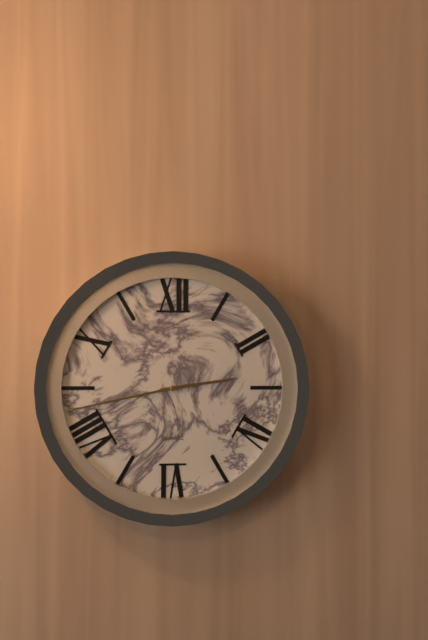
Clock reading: **2:43**
